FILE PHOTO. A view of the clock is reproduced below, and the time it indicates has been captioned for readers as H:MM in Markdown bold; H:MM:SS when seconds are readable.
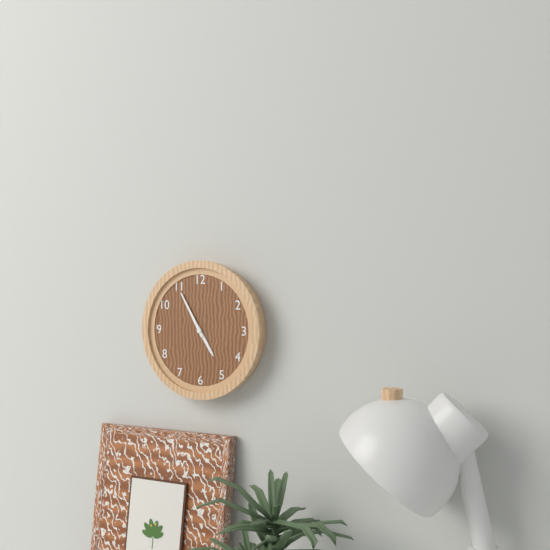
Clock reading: **4:55**
